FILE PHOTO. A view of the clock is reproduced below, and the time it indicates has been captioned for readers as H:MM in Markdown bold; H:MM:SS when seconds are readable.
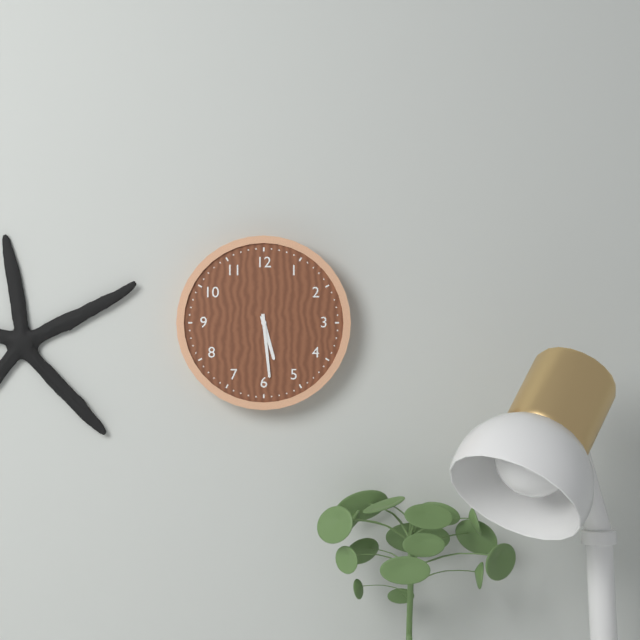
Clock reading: **5:29**
